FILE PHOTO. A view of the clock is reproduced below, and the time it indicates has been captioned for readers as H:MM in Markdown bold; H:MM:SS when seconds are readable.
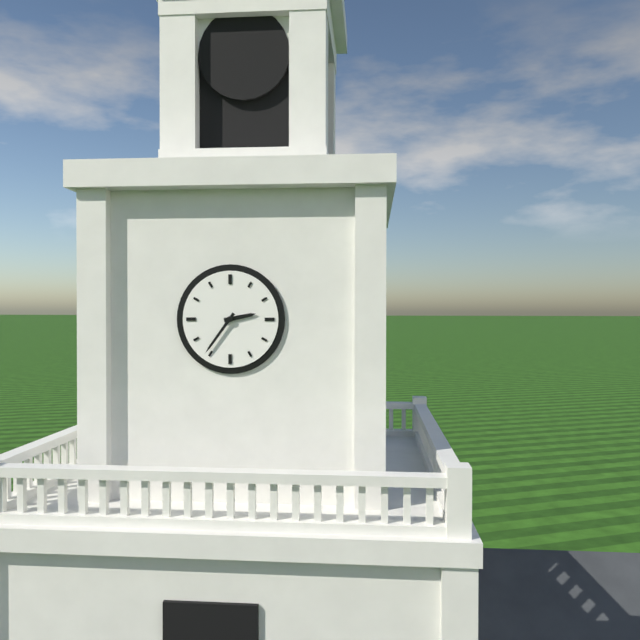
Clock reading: **2:36**
